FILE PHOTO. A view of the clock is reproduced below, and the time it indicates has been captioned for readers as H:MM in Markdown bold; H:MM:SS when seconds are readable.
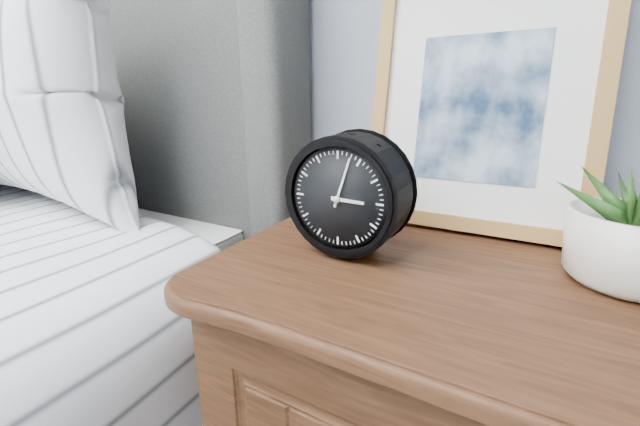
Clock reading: **3:03**
